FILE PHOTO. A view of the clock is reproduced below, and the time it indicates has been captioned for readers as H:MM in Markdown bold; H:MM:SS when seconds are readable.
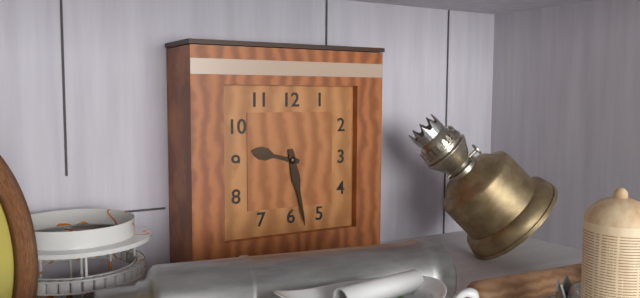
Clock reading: **9:28**
